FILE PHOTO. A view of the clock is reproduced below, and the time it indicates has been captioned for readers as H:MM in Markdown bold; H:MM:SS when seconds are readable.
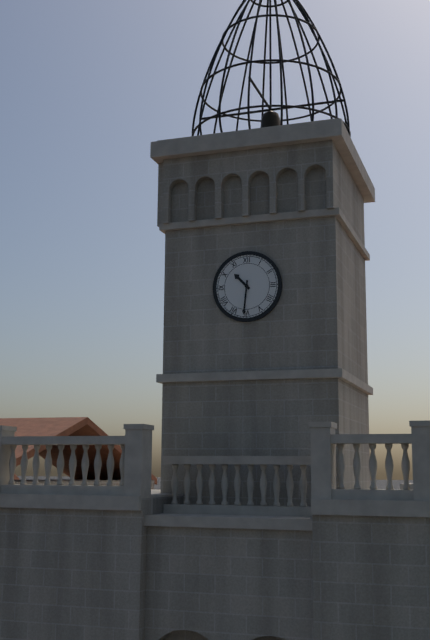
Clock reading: **10:31**
